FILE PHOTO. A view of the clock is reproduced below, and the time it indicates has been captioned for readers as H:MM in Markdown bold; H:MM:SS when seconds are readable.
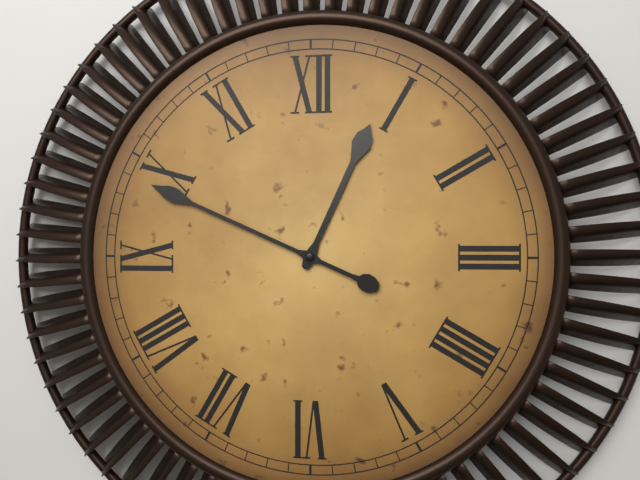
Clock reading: **12:49**
